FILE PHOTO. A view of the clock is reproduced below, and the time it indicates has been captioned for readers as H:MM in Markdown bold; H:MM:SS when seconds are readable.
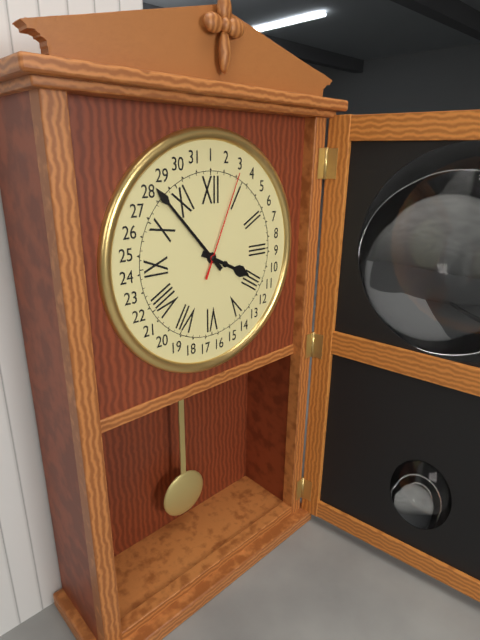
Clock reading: **3:53:04**
